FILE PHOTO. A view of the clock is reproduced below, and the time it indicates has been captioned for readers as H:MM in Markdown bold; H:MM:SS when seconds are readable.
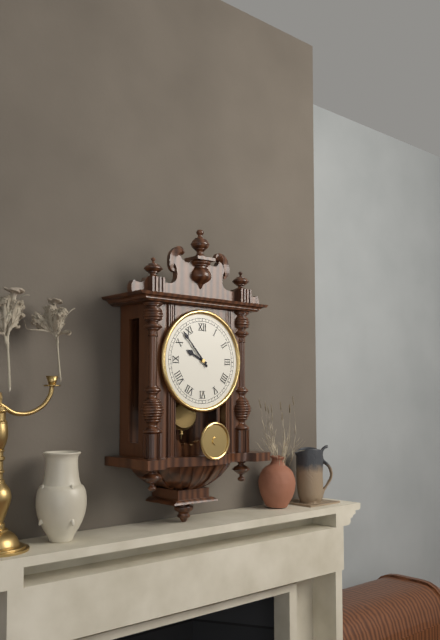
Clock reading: **9:53**
